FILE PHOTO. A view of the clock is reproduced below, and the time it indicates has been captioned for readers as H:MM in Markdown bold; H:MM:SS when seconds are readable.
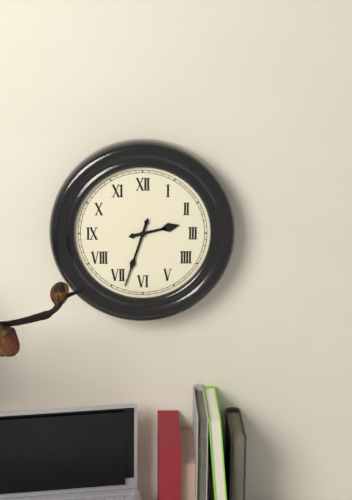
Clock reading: **2:33**
